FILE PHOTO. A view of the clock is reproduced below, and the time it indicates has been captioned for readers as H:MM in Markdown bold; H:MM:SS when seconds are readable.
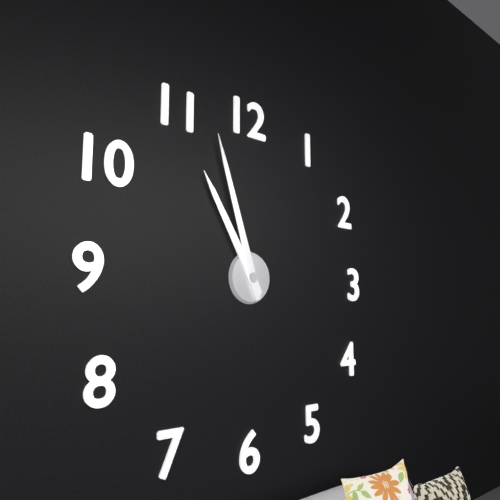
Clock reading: **10:57**
